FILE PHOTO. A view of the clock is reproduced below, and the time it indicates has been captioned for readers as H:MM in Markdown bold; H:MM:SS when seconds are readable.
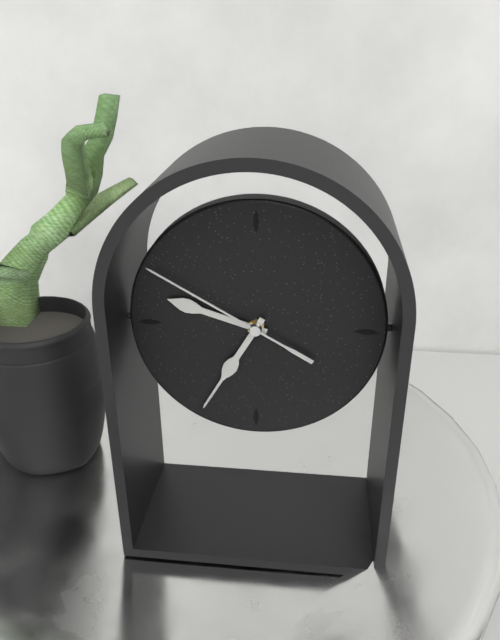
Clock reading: **9:35:50**
